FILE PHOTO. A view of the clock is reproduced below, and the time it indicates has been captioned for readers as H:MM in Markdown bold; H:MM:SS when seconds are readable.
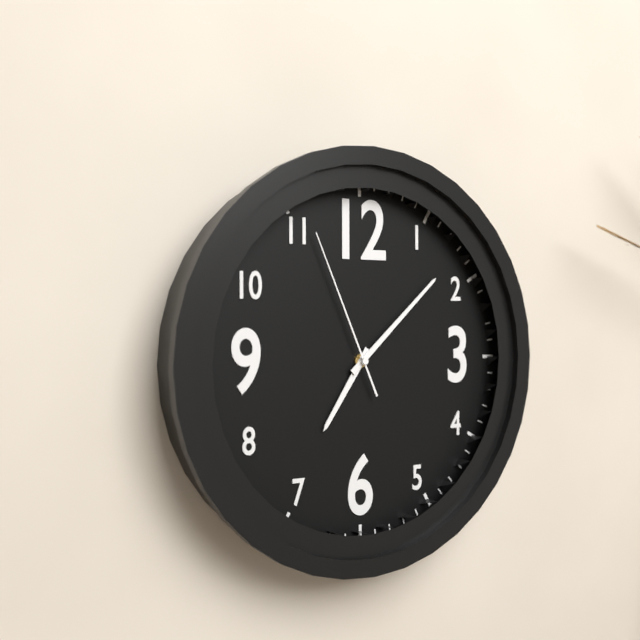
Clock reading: **7:08:56**
